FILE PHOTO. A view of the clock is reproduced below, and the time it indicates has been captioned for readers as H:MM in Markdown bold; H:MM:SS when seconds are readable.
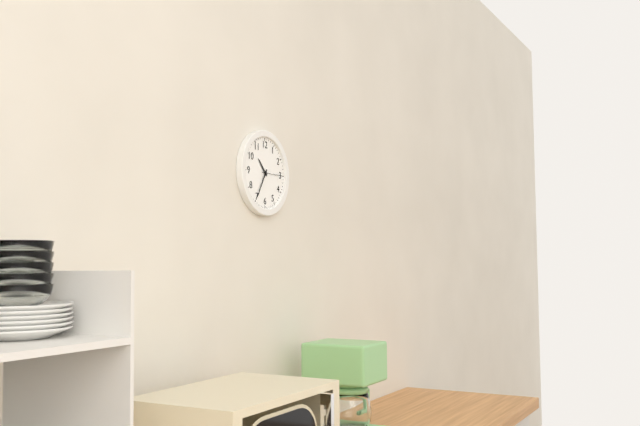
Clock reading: **10:35**
